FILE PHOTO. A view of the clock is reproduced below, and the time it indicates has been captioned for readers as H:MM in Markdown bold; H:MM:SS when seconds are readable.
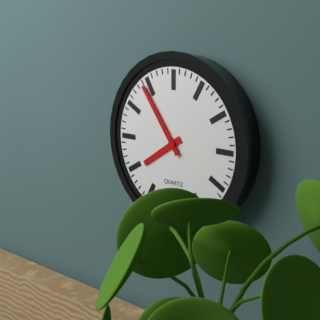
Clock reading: **7:54**
